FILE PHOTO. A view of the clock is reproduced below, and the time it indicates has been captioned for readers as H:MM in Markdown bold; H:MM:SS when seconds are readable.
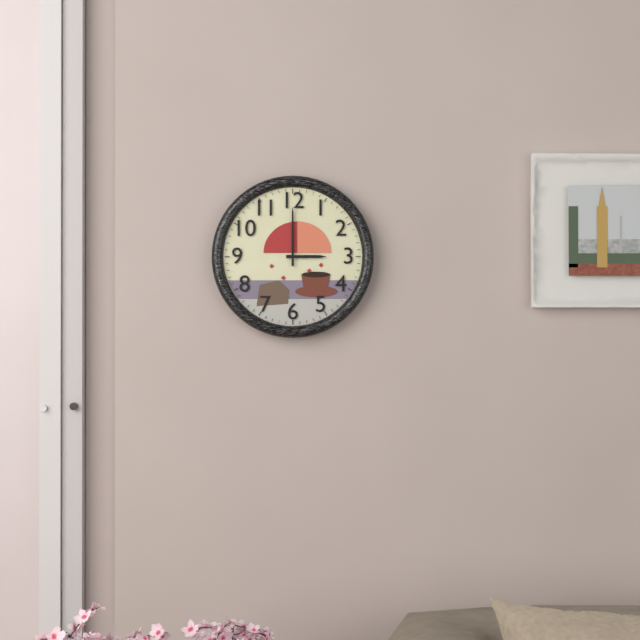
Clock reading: **3:00**
